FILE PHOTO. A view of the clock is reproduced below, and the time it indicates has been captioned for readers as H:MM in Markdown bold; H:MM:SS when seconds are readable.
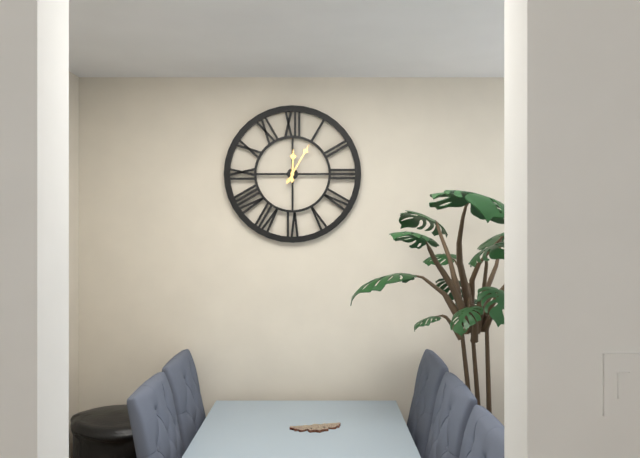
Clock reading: **12:05**
